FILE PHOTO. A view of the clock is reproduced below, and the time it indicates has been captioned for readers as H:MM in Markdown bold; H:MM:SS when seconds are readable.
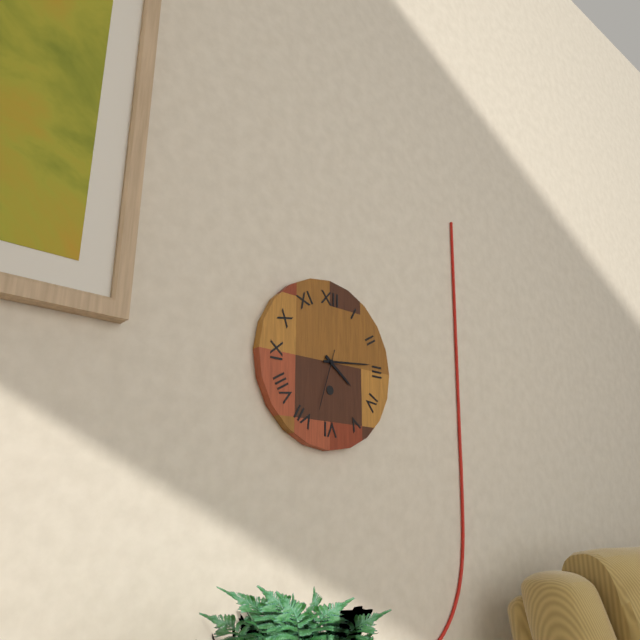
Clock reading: **4:14:33**
